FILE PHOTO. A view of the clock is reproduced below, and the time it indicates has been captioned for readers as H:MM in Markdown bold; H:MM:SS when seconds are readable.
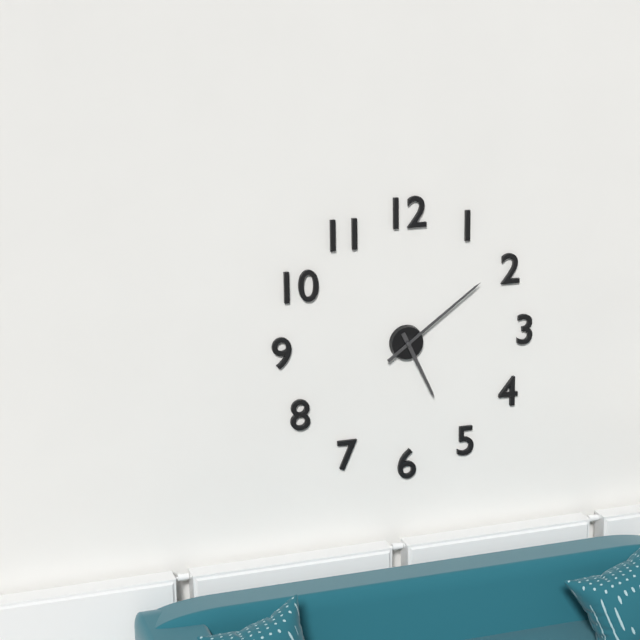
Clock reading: **5:09**
